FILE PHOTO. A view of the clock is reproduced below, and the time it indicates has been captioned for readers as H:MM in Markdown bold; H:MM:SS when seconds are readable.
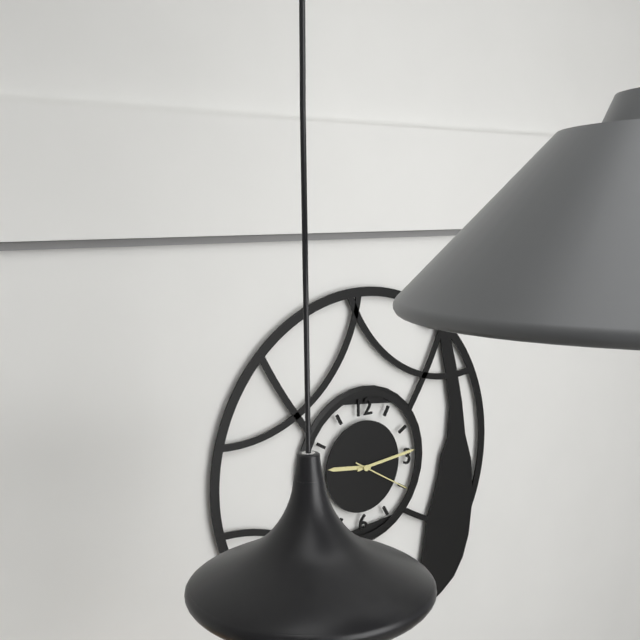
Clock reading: **9:14:20**
